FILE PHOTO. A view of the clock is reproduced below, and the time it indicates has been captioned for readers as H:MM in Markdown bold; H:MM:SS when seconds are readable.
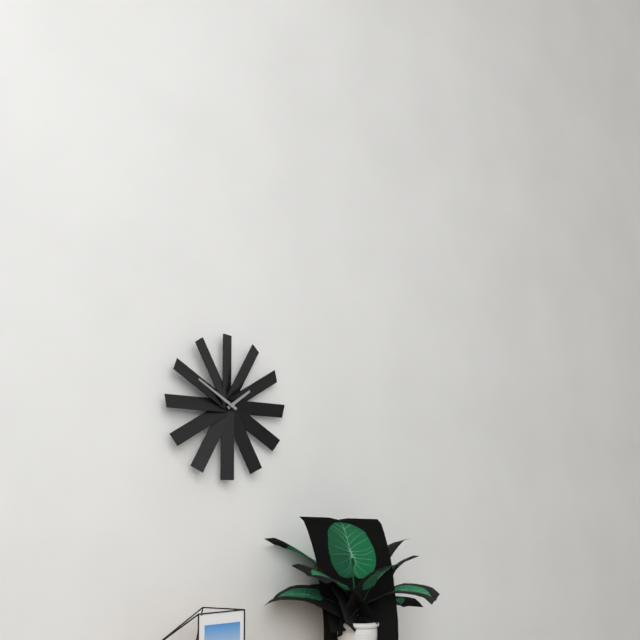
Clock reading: **1:50**
